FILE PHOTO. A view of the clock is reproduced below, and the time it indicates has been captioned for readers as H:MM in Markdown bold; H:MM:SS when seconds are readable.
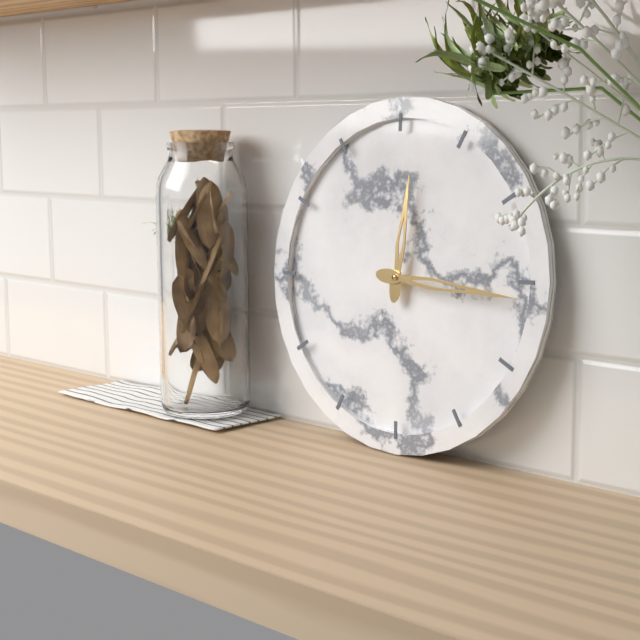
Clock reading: **12:16**
